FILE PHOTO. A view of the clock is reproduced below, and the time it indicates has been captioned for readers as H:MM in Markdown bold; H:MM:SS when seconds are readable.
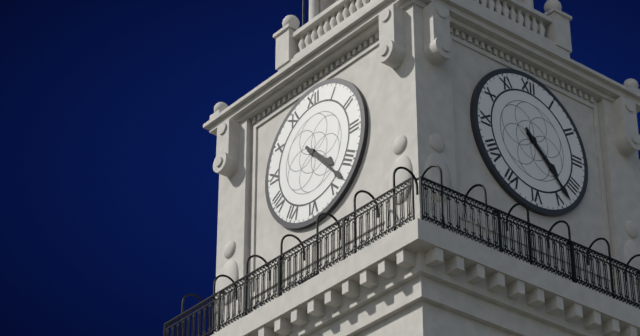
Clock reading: **4:23**
